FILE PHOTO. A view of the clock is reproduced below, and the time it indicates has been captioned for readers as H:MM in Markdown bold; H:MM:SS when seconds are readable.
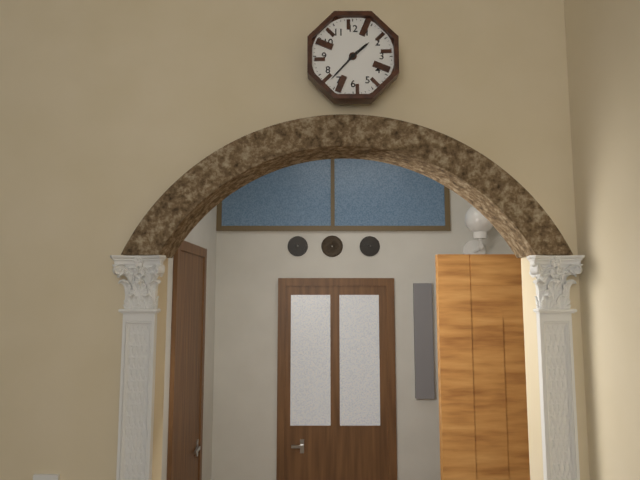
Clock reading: **1:37**
